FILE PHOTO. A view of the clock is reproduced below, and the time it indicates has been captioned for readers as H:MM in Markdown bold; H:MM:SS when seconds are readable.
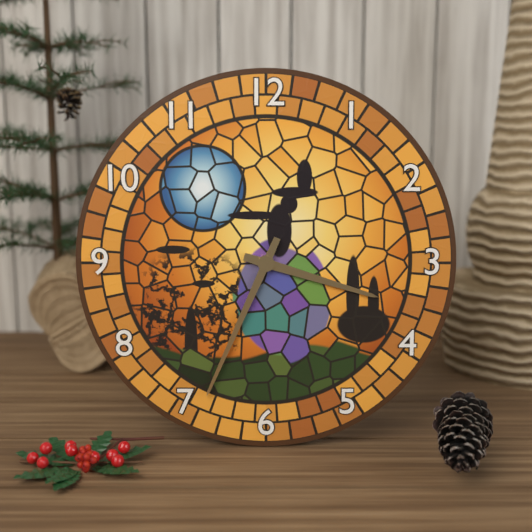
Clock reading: **3:34**
